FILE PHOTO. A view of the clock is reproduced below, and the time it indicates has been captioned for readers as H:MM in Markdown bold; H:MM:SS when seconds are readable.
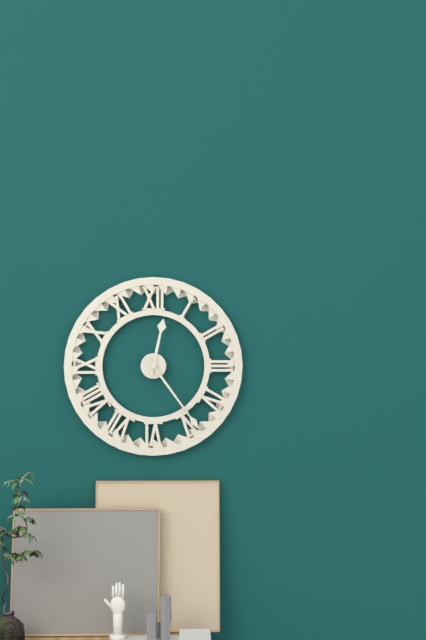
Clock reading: **12:24**
